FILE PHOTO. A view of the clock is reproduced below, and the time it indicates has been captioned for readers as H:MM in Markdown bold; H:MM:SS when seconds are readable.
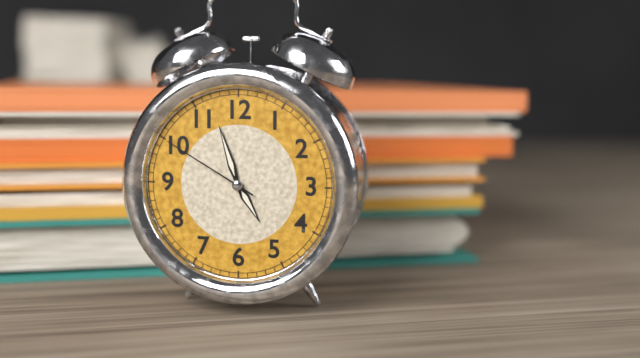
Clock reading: **4:57:50**
